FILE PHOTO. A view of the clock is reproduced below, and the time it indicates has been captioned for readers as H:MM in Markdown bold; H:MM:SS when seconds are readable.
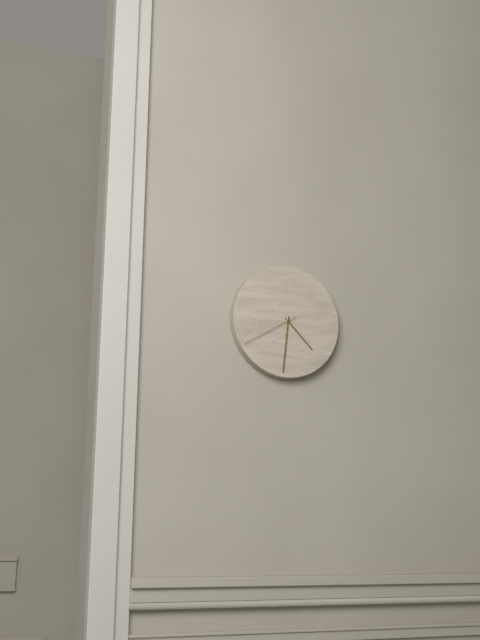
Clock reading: **4:31:40**
